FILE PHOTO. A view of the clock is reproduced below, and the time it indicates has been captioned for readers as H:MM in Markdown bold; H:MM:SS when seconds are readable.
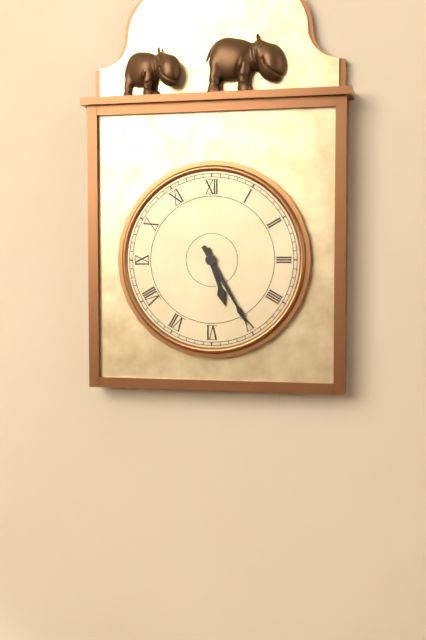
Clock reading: **5:25**
